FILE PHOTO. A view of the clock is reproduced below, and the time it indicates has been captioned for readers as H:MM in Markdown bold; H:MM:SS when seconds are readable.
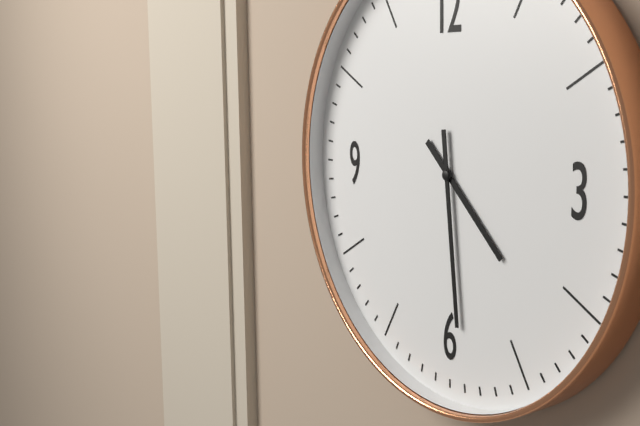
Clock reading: **4:29**
